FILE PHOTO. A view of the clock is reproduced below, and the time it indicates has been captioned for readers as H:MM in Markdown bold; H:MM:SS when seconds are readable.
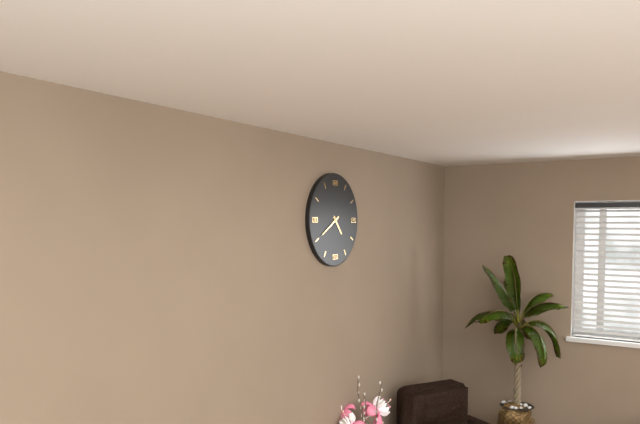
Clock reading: **4:40**
